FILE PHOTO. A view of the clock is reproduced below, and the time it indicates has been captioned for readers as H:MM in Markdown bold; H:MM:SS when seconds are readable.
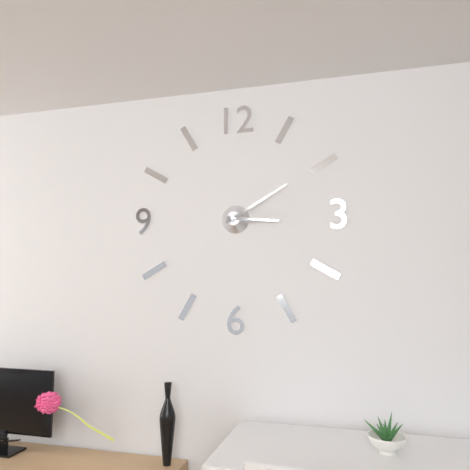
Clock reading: **3:10**
